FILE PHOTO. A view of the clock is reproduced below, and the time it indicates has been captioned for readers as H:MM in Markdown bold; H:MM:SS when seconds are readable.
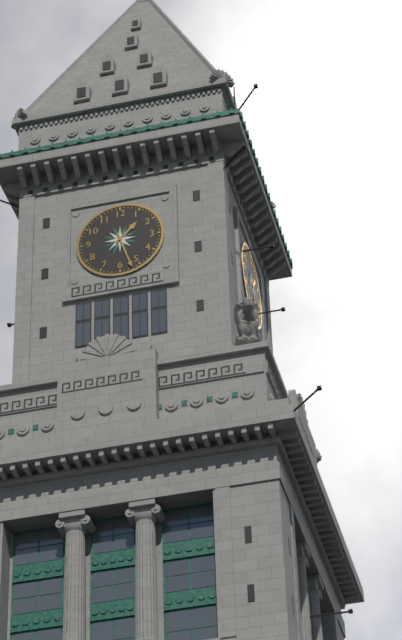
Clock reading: **1:27**
